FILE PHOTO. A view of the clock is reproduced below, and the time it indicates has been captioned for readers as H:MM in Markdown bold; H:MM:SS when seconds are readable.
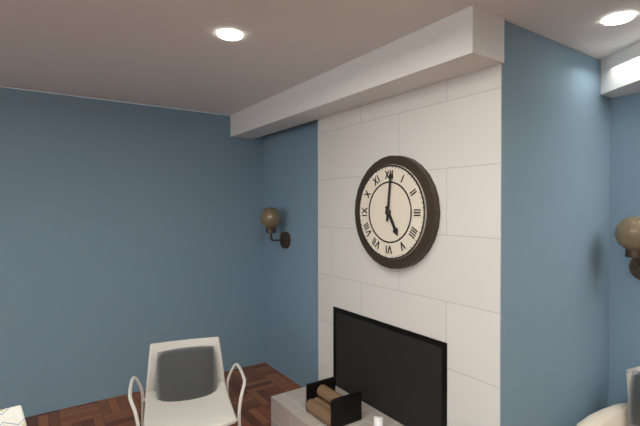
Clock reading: **5:01**
